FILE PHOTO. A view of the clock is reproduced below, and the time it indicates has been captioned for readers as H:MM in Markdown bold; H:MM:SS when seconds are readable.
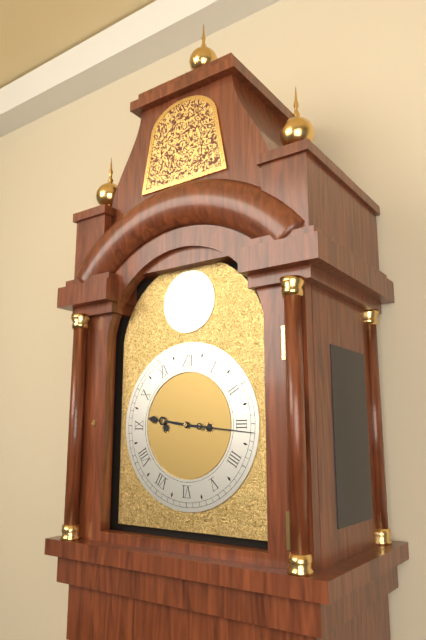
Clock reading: **9:16**
